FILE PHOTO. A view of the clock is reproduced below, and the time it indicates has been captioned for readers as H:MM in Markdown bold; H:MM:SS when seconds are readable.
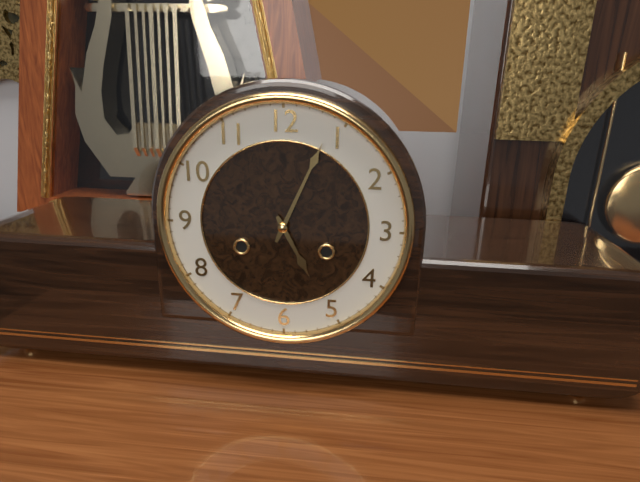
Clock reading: **5:04**
